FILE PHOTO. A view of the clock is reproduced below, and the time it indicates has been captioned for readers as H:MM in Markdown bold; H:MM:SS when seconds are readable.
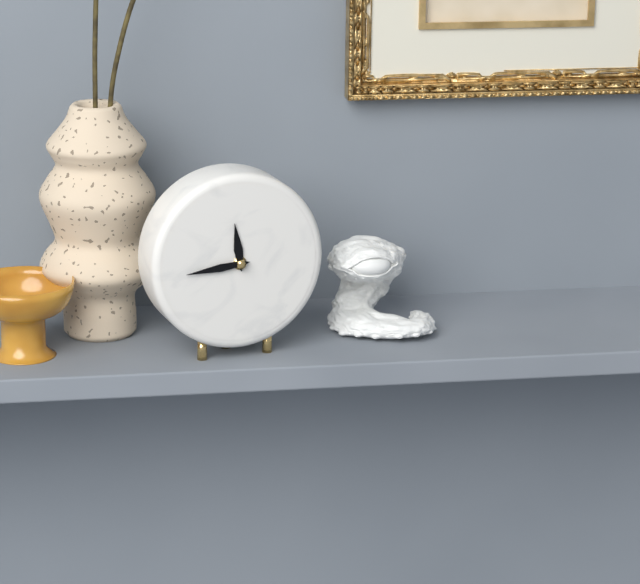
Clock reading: **11:44**
